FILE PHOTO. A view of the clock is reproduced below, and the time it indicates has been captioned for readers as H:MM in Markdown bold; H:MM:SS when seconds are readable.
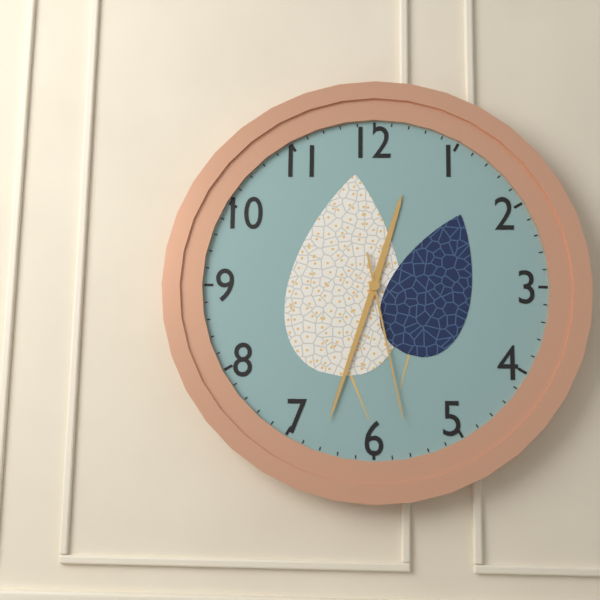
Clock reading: **12:33:28**
